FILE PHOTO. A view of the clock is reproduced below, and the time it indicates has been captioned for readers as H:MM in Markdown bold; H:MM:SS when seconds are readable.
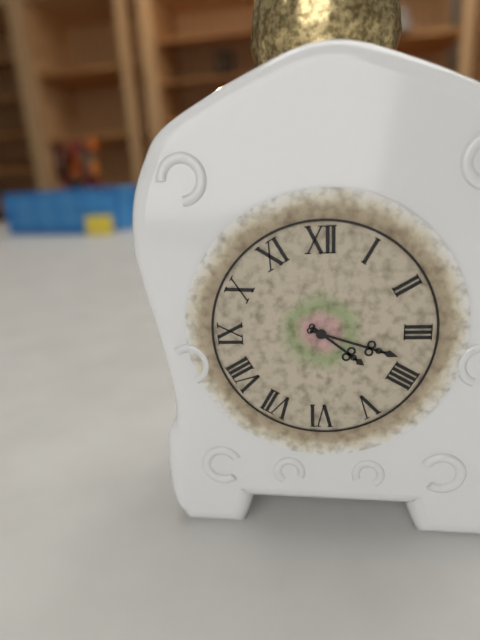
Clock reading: **4:18**
